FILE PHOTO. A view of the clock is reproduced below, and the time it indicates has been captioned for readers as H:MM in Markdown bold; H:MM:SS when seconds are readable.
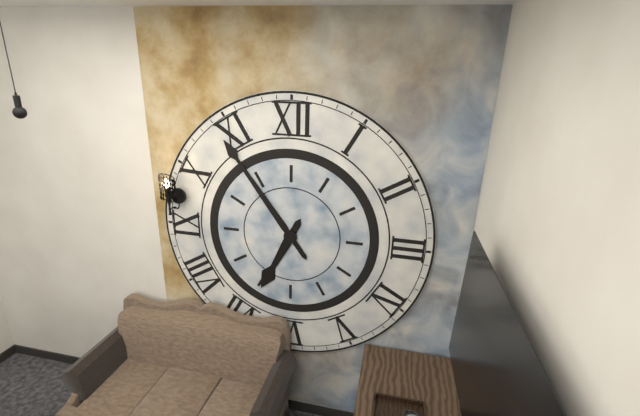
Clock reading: **6:54**
